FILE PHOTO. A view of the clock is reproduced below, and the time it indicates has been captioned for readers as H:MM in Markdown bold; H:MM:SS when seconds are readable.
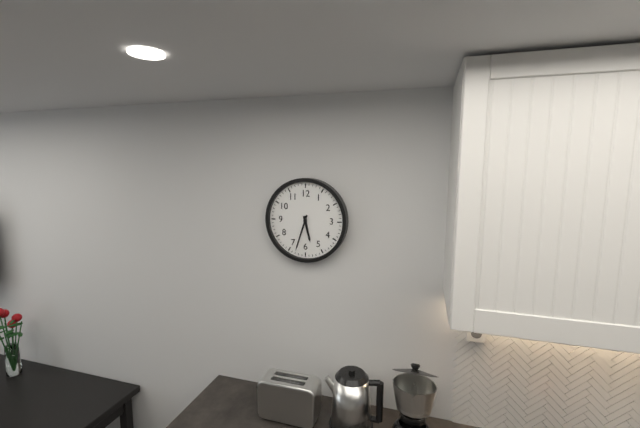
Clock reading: **5:33**
